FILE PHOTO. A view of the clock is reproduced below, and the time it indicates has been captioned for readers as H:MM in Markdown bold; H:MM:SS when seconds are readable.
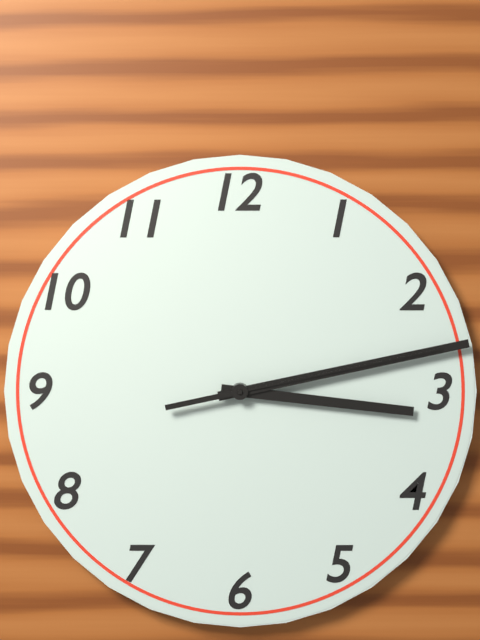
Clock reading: **3:13:13**
